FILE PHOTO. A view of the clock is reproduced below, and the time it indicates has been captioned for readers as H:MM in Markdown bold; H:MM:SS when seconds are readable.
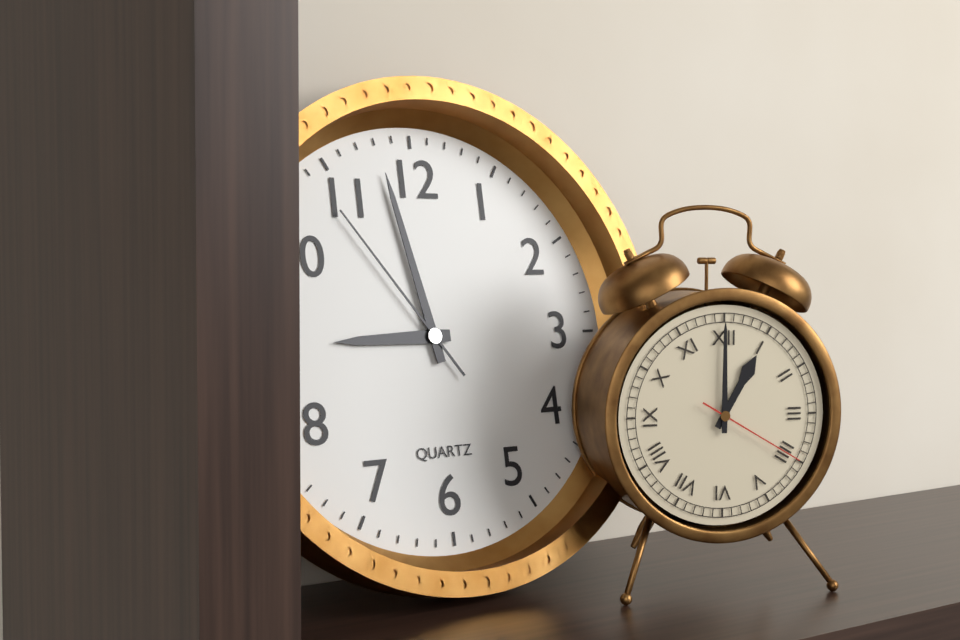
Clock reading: **8:58:54**
